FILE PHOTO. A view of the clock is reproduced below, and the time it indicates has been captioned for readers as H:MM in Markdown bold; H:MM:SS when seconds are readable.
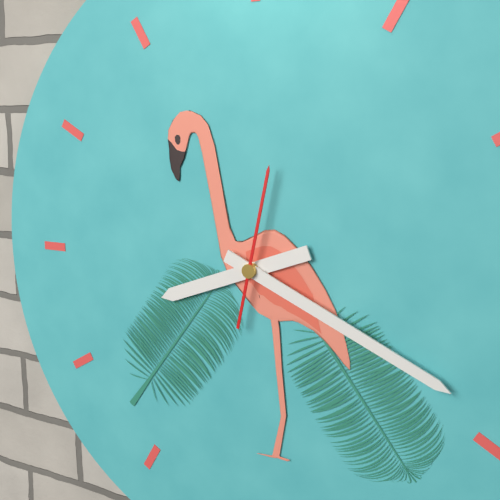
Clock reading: **8:19:02**
